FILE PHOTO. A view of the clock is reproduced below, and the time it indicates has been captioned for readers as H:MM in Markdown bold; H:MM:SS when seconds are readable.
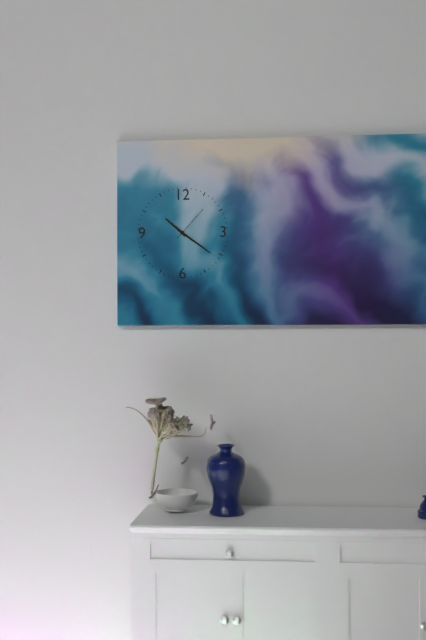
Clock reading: **10:21**
